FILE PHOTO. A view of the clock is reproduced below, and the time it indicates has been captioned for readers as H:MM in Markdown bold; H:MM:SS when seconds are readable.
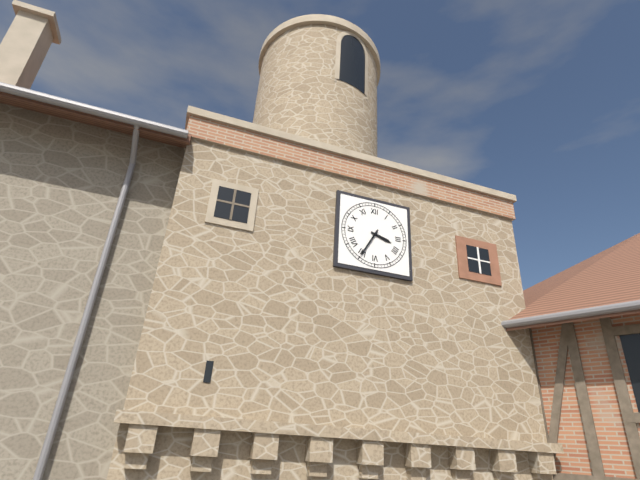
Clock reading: **3:35**
